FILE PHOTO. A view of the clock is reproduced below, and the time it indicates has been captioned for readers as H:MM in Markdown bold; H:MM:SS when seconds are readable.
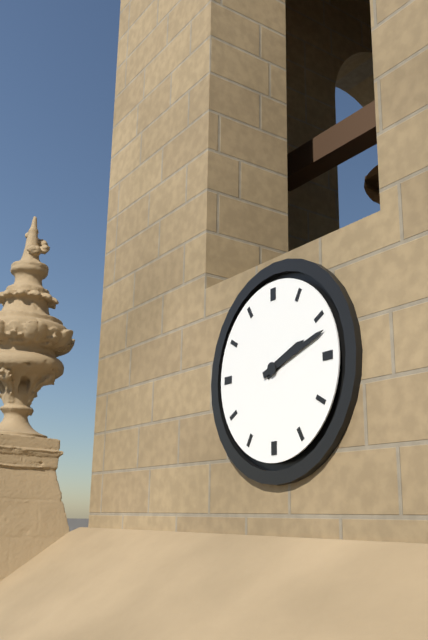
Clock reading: **2:12**
